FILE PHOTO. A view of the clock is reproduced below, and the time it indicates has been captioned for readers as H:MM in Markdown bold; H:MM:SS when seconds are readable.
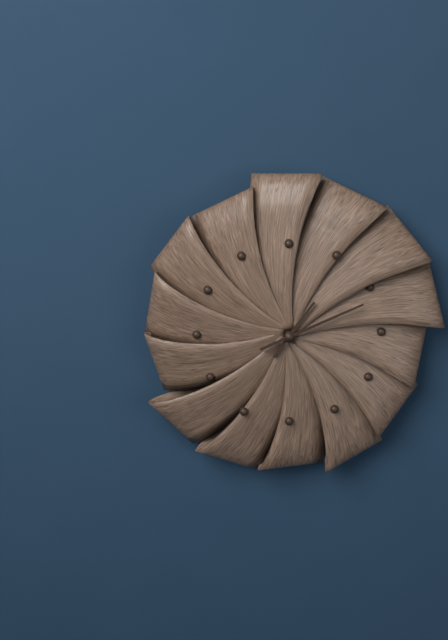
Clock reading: **1:11**
